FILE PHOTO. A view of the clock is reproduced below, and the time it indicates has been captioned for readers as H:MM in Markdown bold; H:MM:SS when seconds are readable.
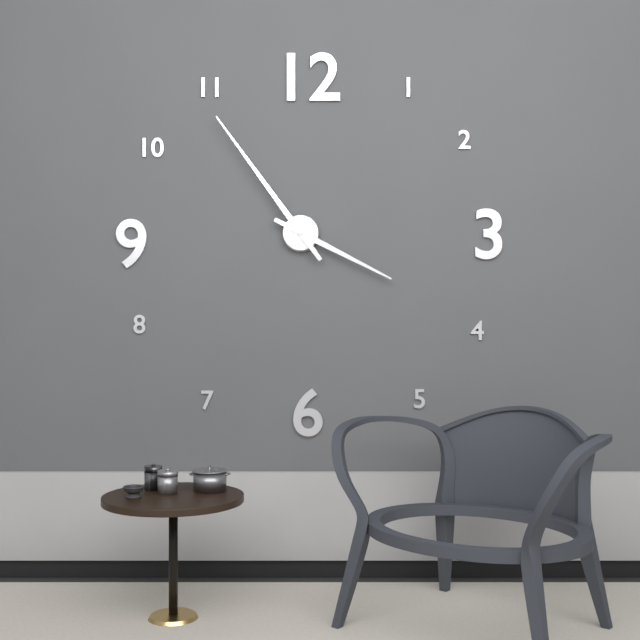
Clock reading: **3:54**
